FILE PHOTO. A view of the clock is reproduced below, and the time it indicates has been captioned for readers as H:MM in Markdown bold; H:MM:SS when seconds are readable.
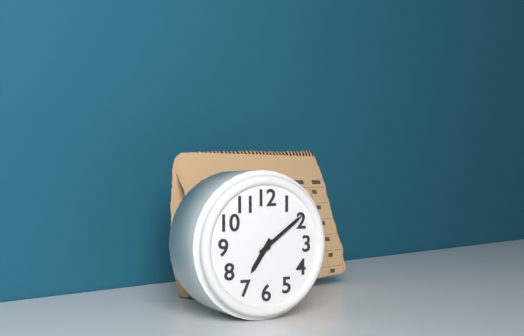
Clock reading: **7:09**
